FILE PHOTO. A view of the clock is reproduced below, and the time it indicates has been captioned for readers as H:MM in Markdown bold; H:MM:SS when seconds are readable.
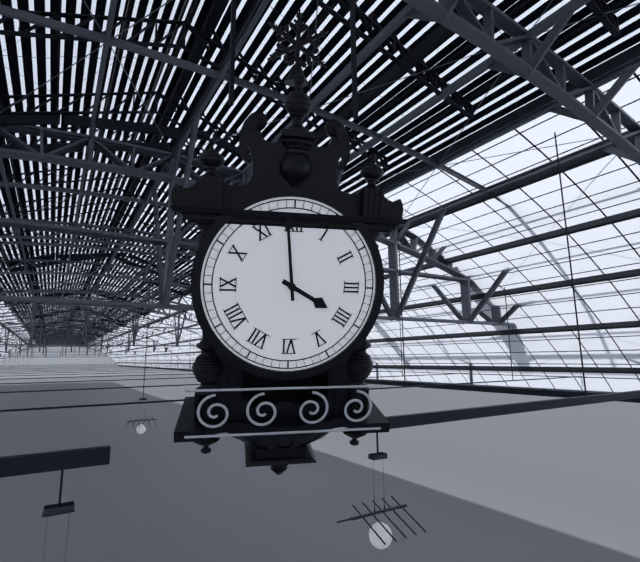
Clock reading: **3:59**
